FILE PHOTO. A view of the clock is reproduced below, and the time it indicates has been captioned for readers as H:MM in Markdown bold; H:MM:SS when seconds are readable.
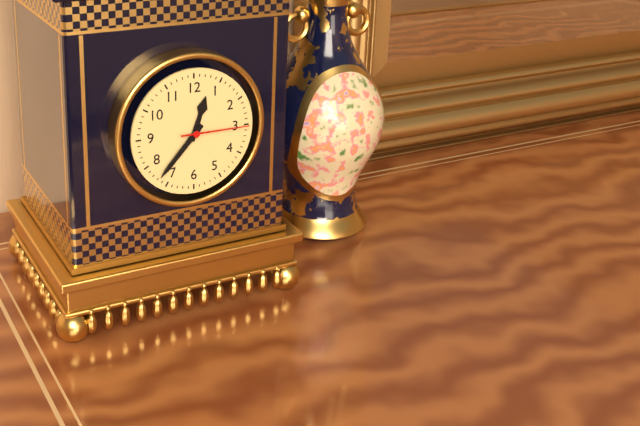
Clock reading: **12:37:15**
